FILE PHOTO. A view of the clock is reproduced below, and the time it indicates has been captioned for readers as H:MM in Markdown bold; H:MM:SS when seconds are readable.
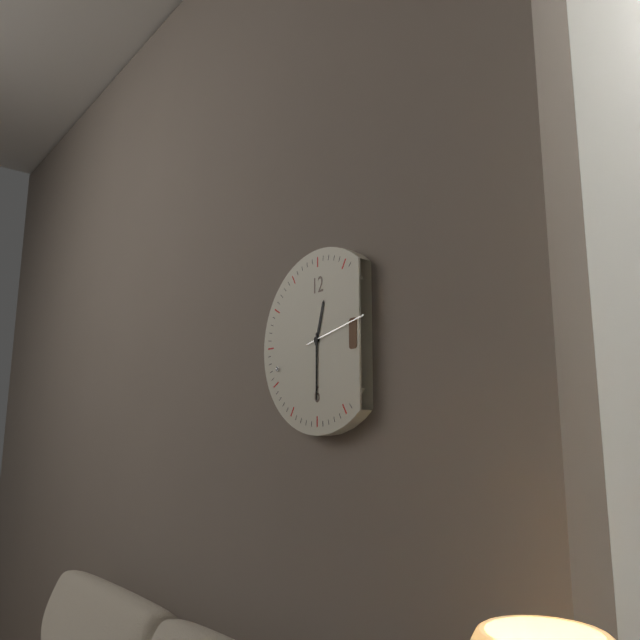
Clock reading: **12:30:13**
